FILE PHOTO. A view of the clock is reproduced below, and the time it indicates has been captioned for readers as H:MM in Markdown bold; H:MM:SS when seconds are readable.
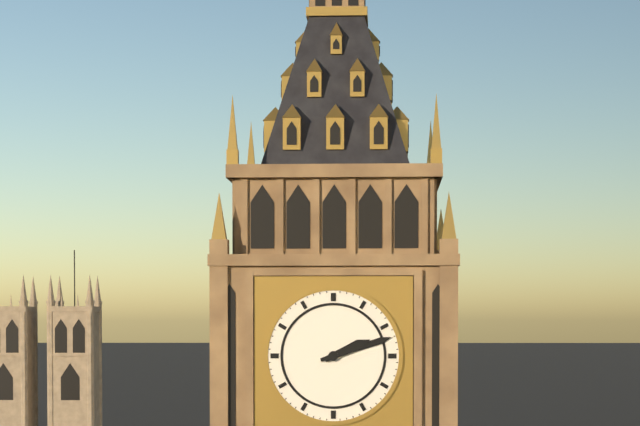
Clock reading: **2:12**
